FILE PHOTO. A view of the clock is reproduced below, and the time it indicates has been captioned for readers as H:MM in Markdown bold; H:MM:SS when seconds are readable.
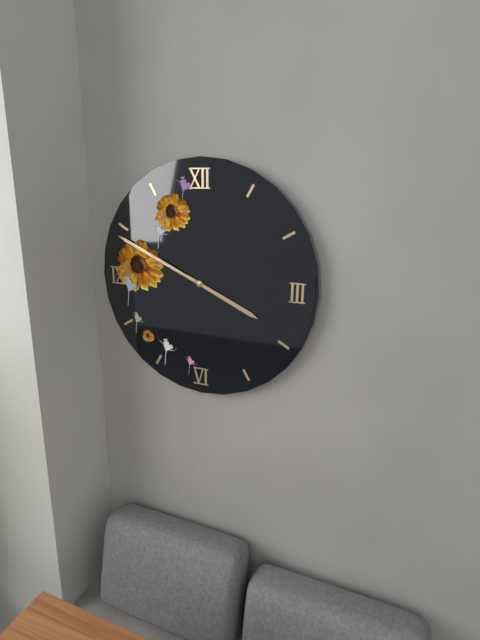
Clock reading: **3:49**
